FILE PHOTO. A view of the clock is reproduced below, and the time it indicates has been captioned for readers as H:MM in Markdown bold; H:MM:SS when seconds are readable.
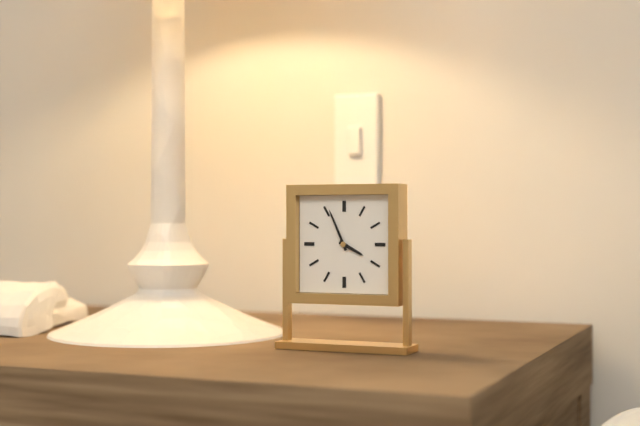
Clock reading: **3:56**
